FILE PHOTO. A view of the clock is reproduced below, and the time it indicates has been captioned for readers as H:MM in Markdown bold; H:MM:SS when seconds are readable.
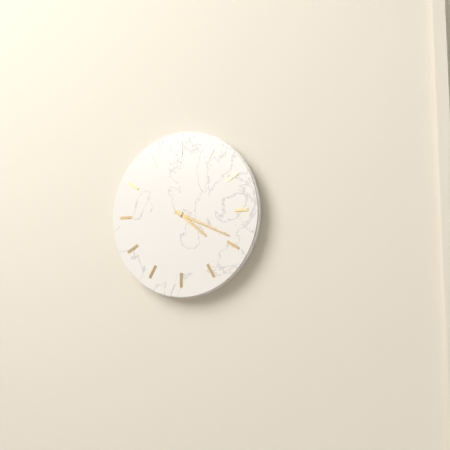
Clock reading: **4:19**
